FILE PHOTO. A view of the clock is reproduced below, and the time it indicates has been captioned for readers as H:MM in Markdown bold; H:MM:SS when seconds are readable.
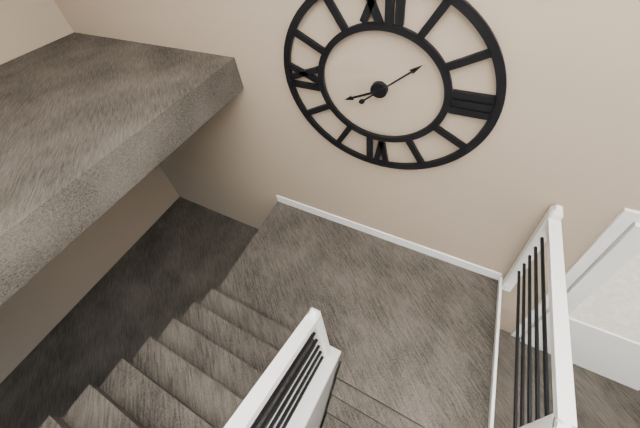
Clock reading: **8:08**
